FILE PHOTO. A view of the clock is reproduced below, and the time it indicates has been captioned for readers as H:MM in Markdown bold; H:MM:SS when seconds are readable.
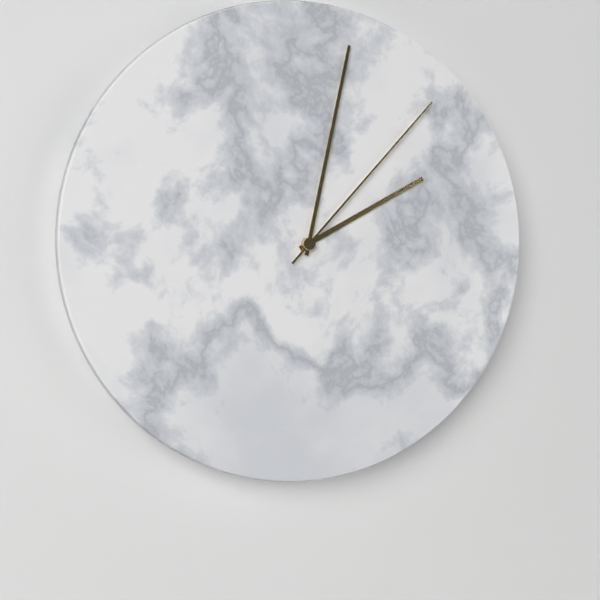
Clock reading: **2:02:07**
